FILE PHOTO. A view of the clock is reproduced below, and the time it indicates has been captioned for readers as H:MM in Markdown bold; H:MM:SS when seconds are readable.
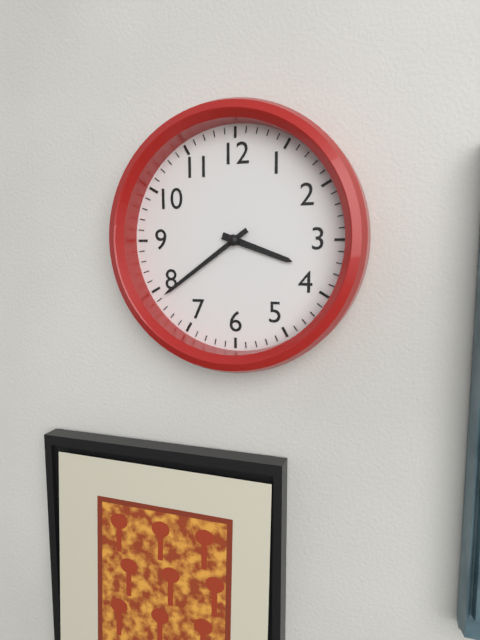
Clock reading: **3:39**
